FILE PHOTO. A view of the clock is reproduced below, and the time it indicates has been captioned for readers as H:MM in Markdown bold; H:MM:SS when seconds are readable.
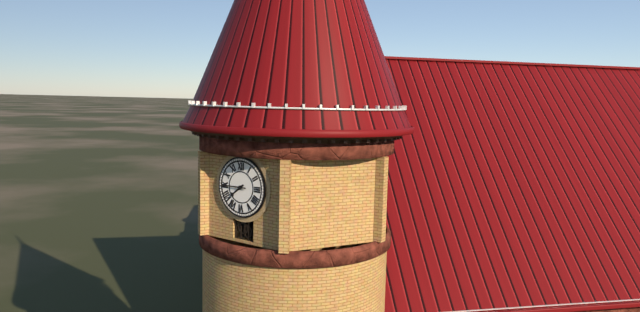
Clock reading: **7:45**
